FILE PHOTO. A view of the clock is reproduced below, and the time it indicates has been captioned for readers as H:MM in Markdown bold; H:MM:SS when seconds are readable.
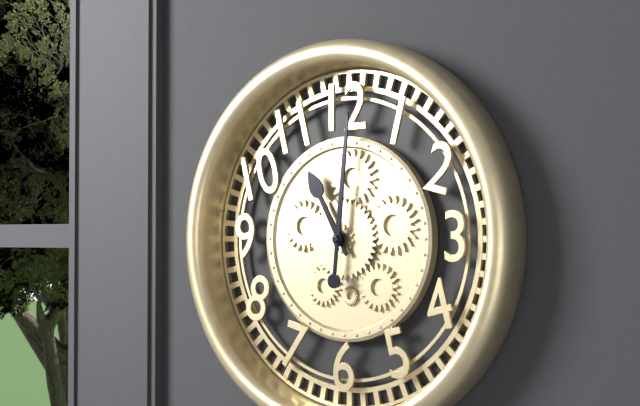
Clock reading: **11:01**
